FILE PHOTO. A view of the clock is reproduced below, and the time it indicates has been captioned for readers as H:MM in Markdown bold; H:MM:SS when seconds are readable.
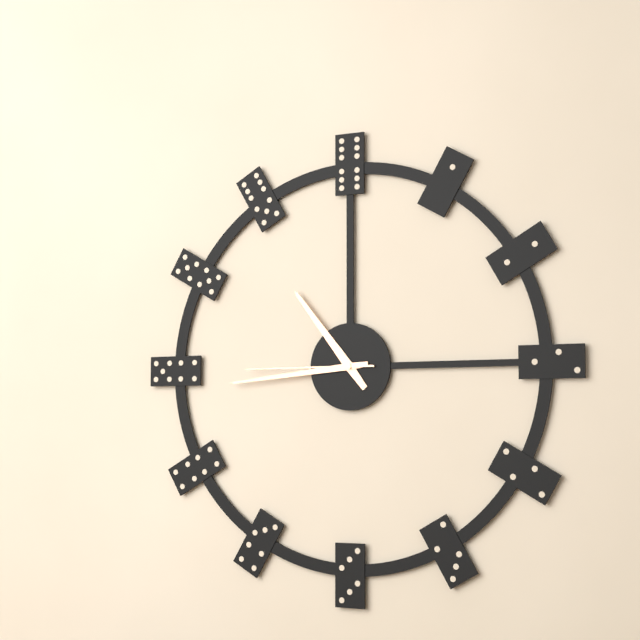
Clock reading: **10:44:45**
